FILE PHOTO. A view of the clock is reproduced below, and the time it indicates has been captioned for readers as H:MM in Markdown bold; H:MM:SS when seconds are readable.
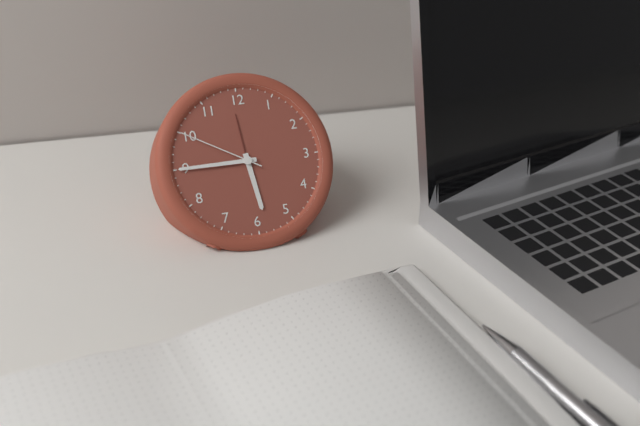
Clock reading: **5:45:50**
